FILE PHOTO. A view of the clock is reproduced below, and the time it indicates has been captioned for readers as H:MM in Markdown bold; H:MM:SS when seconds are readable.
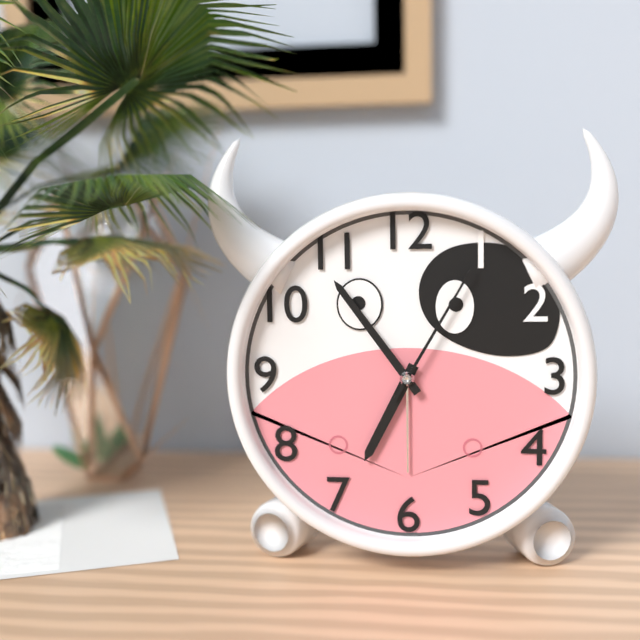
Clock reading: **6:54:05**
